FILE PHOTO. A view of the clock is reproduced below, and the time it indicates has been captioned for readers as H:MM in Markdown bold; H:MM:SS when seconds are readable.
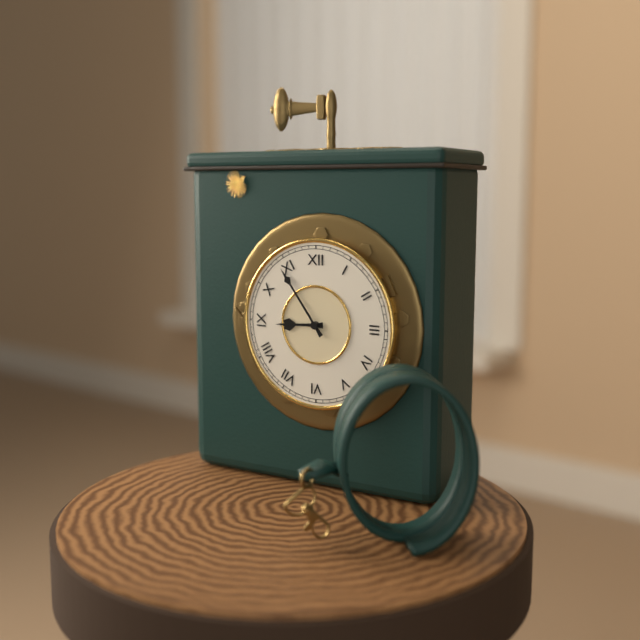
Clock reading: **8:54**
